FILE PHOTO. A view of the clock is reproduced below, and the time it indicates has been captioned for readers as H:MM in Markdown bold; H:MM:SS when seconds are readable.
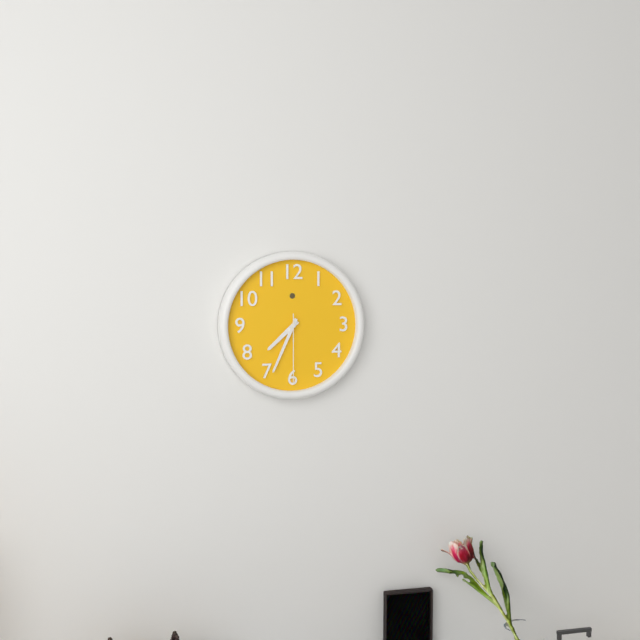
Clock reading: **7:34:30**
